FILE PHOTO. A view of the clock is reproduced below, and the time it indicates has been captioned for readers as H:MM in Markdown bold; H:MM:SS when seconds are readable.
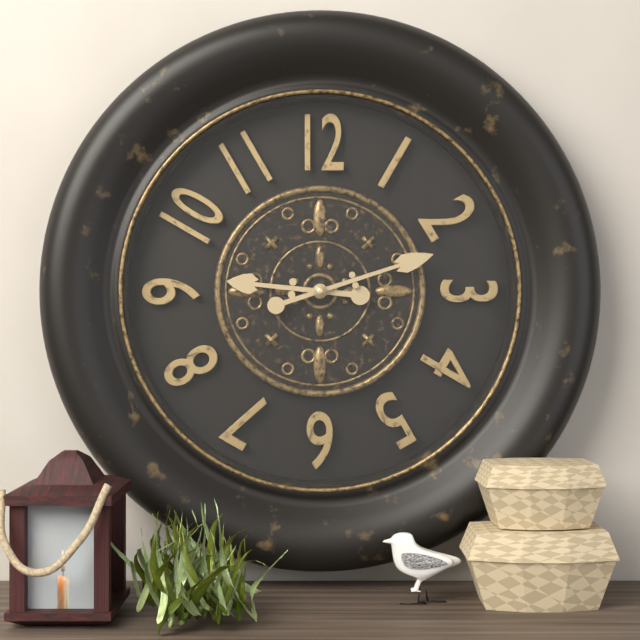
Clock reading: **9:12**
